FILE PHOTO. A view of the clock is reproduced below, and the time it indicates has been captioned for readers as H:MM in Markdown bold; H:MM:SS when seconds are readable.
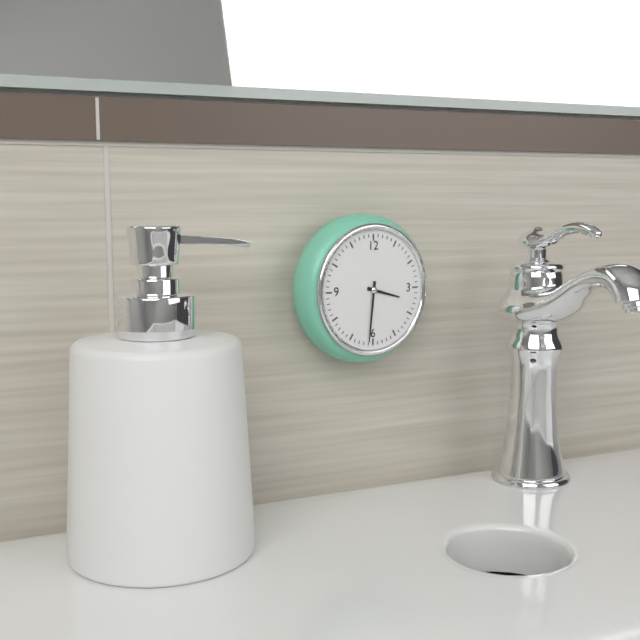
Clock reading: **3:31**
